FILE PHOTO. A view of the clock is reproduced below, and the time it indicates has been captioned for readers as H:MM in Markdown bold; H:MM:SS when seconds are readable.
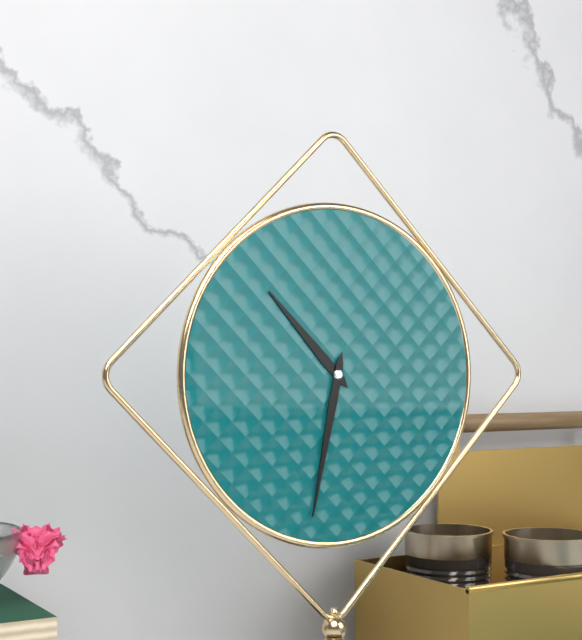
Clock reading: **10:32**
